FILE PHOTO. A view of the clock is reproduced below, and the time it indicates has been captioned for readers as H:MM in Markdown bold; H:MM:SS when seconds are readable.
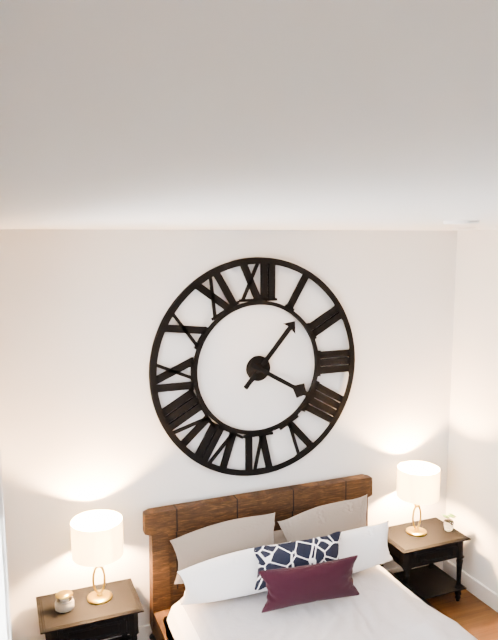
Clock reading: **1:20**
